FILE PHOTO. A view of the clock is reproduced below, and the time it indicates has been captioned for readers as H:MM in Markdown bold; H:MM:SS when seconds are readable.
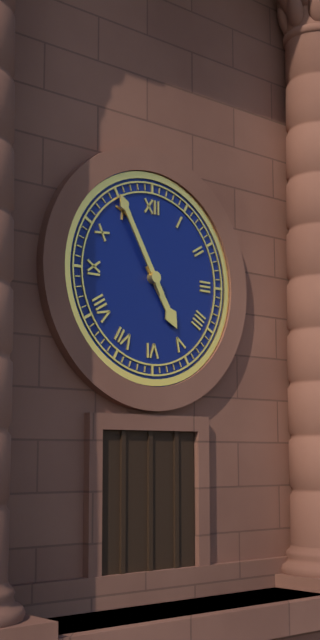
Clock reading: **4:55**
